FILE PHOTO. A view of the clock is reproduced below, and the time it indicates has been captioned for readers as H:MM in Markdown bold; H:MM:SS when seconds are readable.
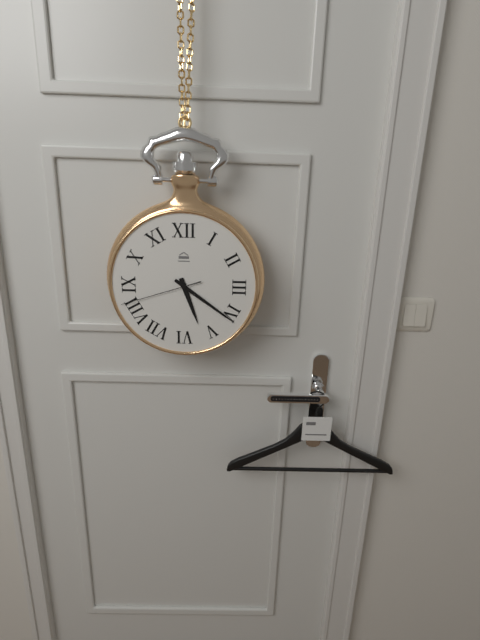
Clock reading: **5:21:42**
